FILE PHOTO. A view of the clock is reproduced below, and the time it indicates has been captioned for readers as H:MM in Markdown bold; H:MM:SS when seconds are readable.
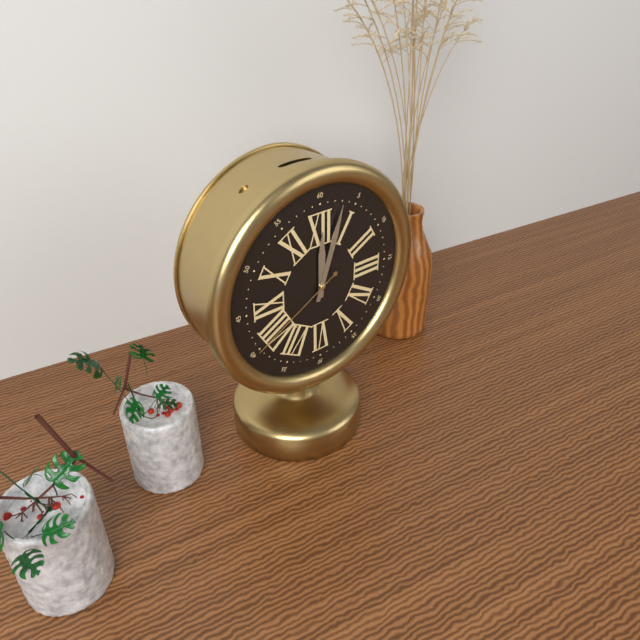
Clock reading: **12:03:40**
